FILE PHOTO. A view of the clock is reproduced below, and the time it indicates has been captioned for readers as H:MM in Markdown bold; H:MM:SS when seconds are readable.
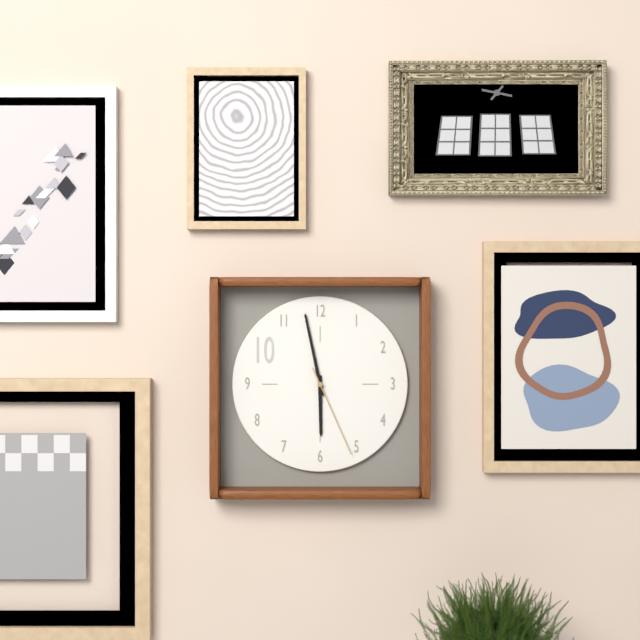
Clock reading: **5:58:26**
